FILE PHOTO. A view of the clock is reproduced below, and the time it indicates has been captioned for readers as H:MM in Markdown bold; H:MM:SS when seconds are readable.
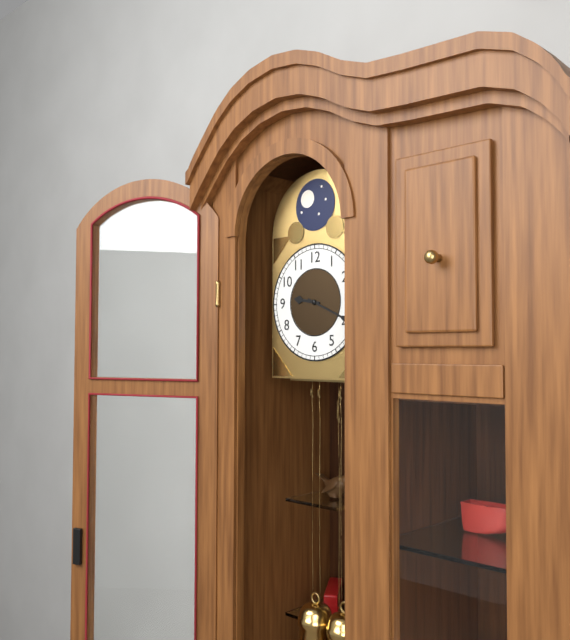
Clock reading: **9:19**
